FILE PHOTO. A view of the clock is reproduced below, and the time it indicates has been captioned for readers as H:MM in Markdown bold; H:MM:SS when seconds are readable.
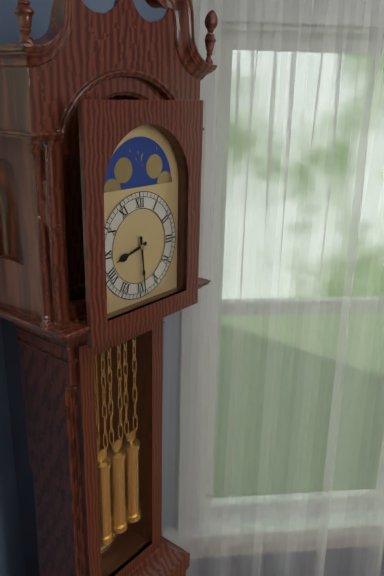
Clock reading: **8:29**
